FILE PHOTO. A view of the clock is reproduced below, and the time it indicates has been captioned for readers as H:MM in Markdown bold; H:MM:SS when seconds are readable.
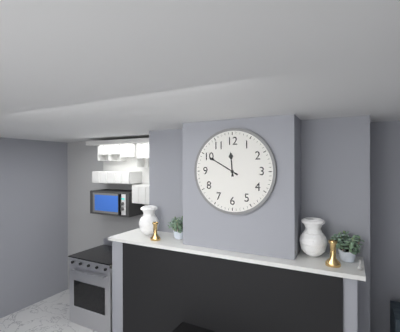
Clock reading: **11:50**
